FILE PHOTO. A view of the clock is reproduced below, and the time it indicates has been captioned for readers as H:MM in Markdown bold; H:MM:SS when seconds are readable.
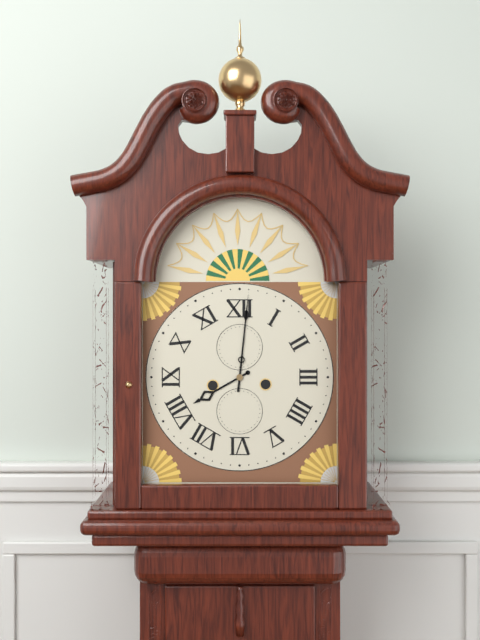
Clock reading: **8:01**
